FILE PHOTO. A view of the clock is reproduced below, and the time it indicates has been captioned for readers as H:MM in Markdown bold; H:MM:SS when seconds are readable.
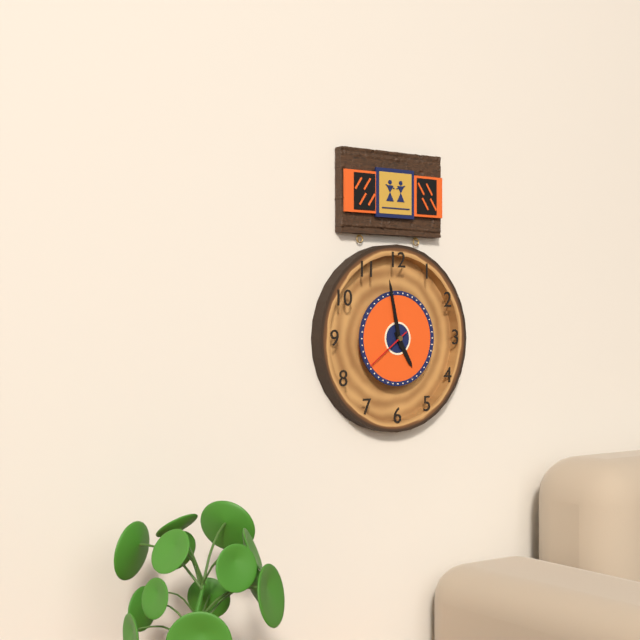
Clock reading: **4:58:39**
